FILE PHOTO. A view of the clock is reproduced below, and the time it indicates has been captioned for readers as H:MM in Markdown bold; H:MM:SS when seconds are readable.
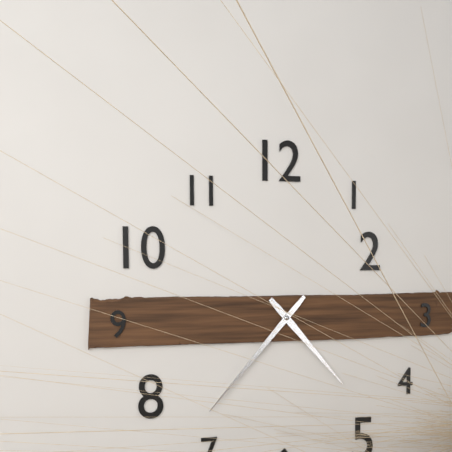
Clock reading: **4:37**
